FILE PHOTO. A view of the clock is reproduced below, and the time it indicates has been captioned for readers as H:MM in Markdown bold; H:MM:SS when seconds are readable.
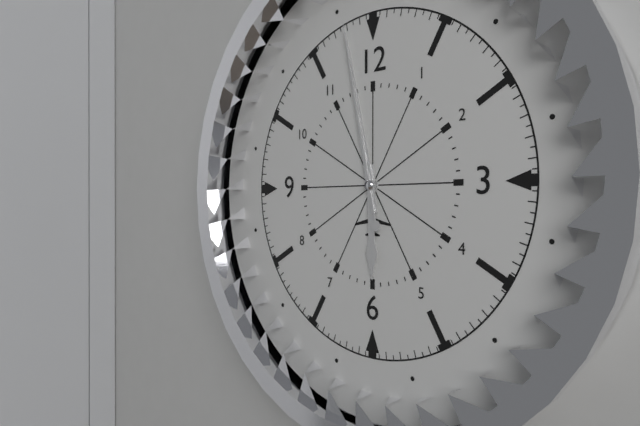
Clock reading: **5:58:58**
